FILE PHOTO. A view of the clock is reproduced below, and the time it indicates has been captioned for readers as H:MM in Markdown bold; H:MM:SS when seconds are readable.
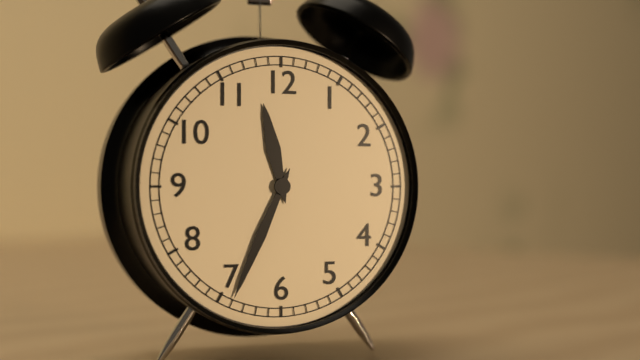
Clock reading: **11:34**
